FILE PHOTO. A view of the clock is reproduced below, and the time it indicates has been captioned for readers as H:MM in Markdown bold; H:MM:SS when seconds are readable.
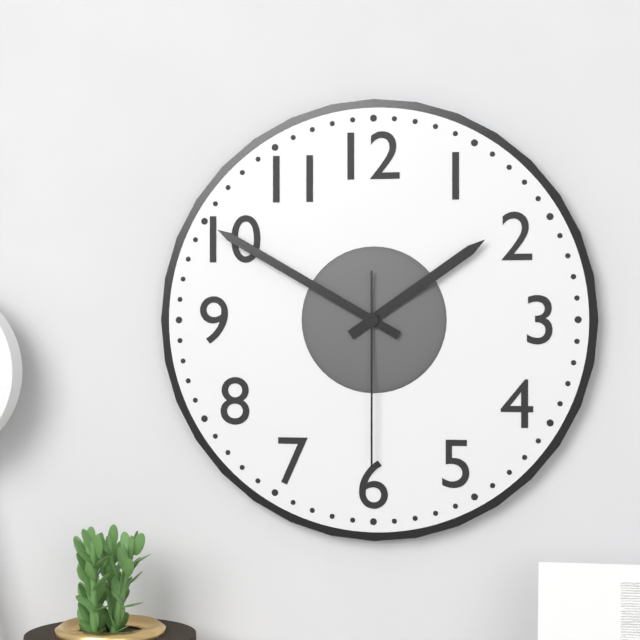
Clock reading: **1:50:30**
